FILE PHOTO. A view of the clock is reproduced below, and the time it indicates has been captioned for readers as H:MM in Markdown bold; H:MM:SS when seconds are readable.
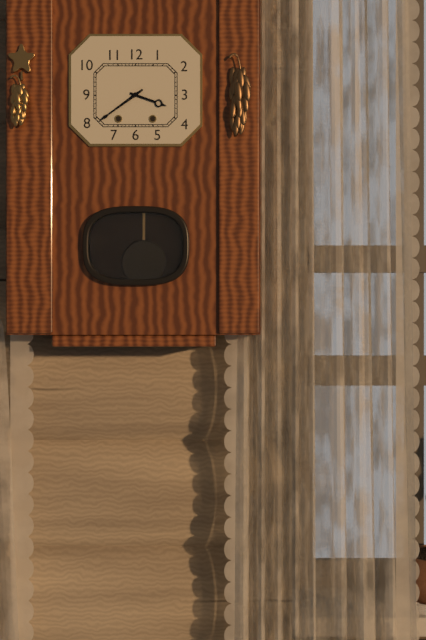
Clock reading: **3:39**
